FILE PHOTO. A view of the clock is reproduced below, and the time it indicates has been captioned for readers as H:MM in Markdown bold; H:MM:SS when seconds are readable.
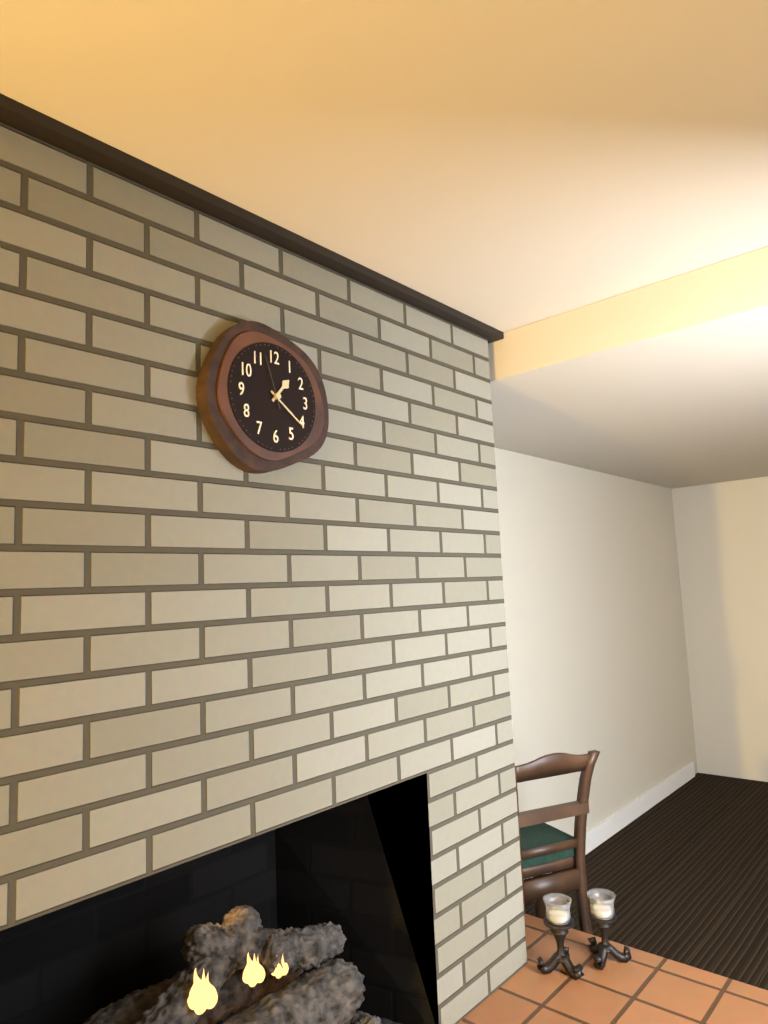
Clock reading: **1:21:57**
